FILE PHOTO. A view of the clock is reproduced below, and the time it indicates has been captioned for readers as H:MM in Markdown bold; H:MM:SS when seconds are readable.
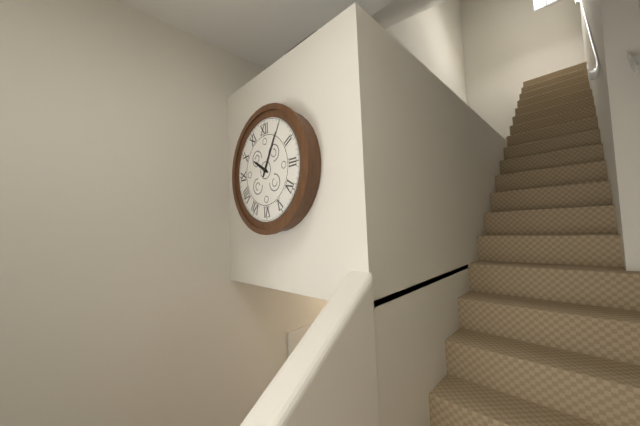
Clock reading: **10:05**
